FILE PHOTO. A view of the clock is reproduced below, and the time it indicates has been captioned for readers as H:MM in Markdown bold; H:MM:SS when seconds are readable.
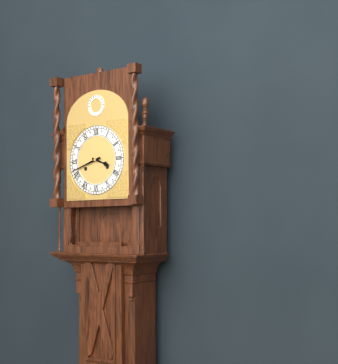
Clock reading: **3:42**
